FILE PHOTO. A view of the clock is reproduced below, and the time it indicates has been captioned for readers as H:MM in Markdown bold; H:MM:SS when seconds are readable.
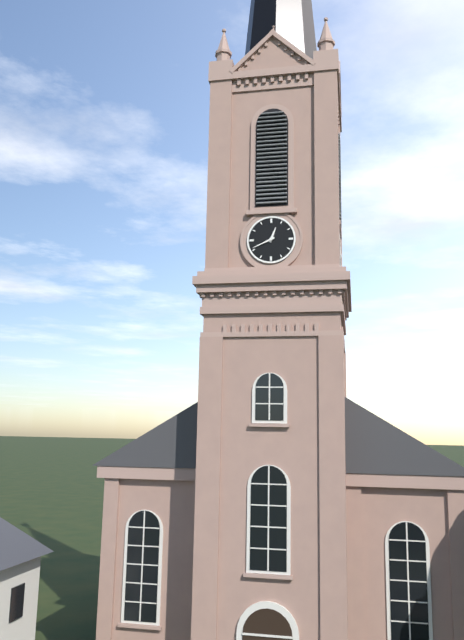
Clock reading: **12:41**
